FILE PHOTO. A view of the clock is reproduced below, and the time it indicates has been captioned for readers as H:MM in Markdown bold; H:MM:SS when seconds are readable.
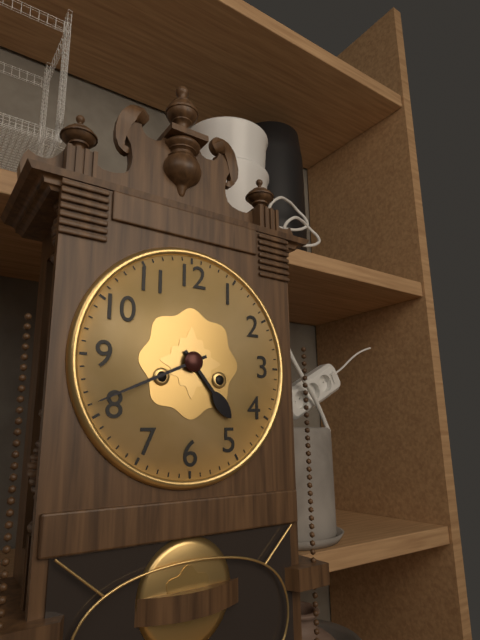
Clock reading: **4:41**
